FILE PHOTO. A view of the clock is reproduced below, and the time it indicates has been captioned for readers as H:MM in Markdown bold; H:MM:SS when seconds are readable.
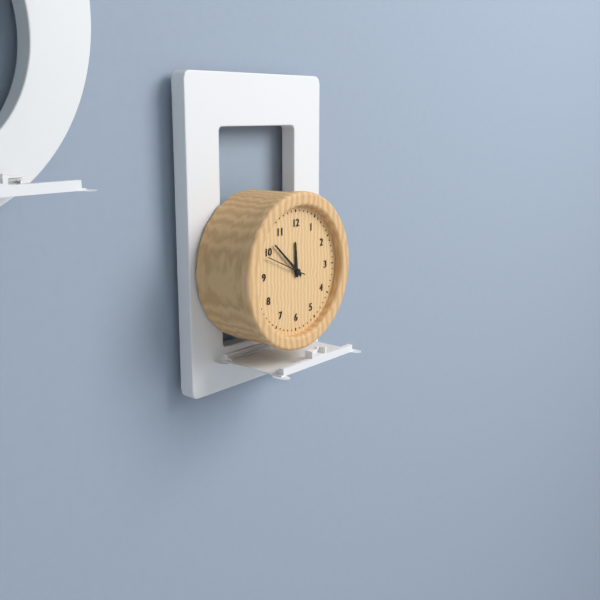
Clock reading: **11:52**
